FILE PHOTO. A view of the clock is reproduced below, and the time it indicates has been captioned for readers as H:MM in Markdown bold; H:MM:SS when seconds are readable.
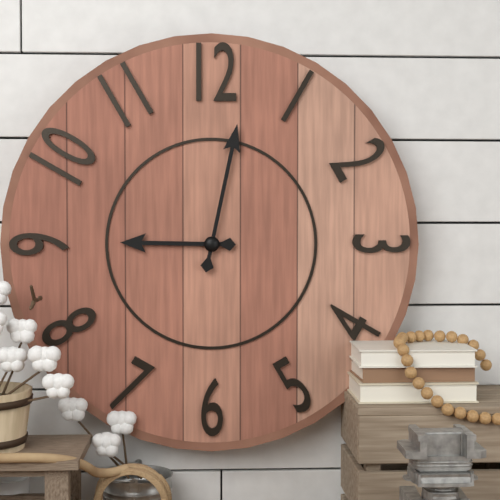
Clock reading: **9:02**
